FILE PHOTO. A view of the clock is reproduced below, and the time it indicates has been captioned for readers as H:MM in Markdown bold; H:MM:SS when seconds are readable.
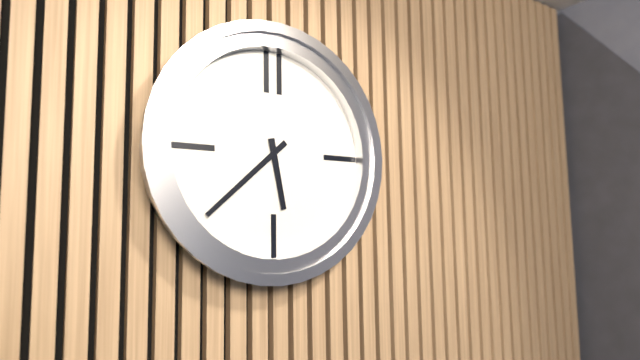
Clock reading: **5:38**
